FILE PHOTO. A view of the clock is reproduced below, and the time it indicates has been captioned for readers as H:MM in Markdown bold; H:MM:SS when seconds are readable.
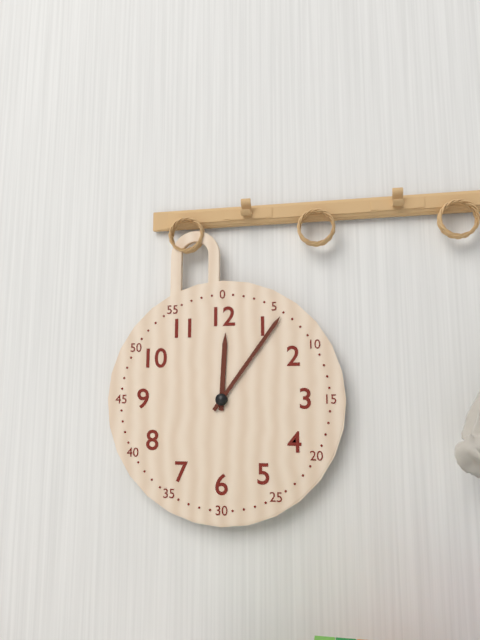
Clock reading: **12:06**
